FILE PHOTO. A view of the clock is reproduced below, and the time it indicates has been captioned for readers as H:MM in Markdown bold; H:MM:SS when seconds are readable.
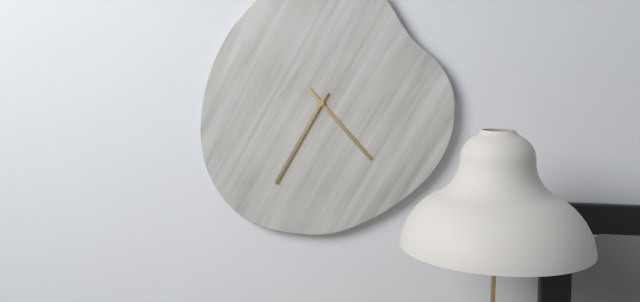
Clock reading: **4:35**
